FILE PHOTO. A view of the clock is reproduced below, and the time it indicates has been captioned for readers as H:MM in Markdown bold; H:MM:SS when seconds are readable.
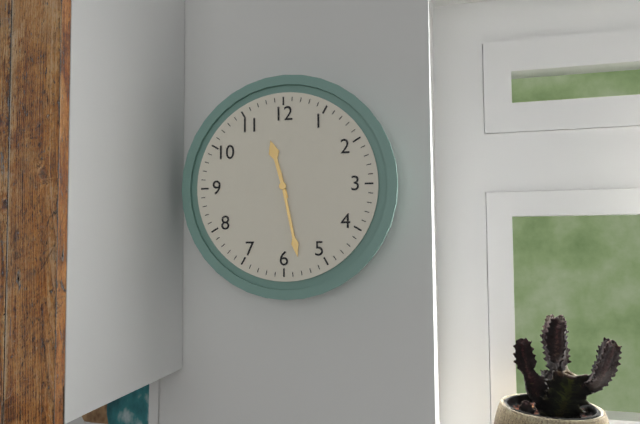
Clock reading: **11:28**
